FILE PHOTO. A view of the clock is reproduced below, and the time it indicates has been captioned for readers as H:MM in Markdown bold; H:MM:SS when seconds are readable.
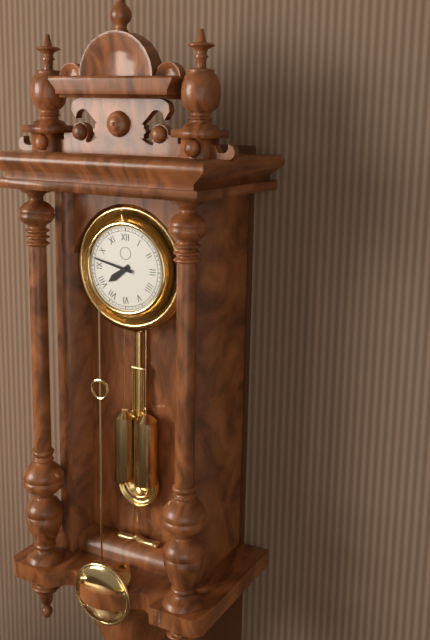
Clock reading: **7:47**
